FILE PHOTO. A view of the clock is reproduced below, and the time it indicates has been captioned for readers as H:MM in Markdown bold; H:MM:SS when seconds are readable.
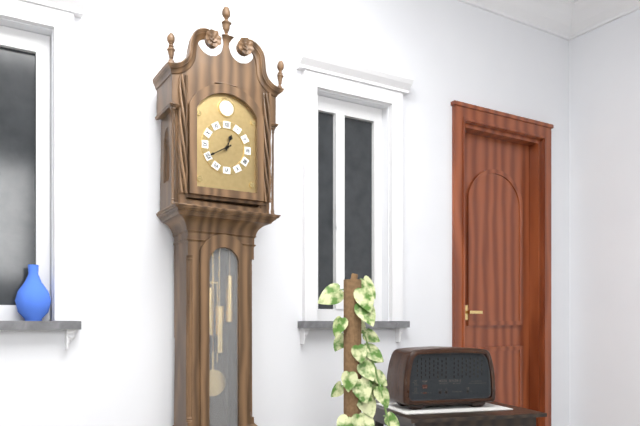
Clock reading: **12:40**
